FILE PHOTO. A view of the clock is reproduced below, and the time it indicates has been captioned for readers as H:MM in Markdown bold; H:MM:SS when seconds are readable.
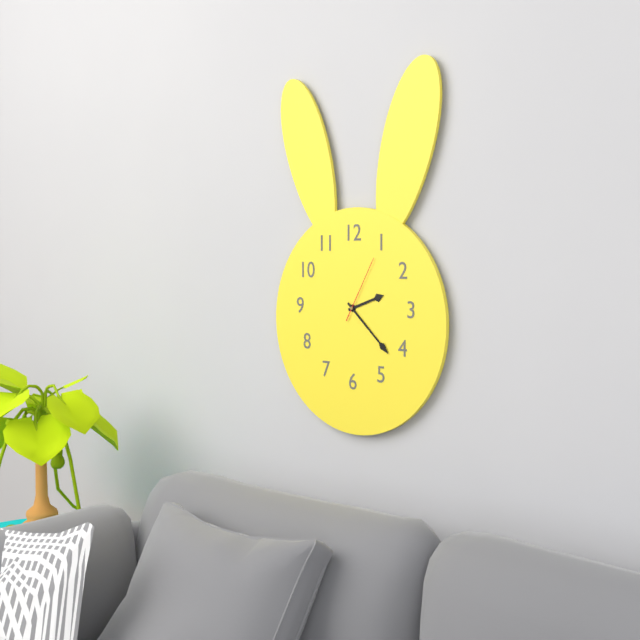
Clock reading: **2:22:05**
